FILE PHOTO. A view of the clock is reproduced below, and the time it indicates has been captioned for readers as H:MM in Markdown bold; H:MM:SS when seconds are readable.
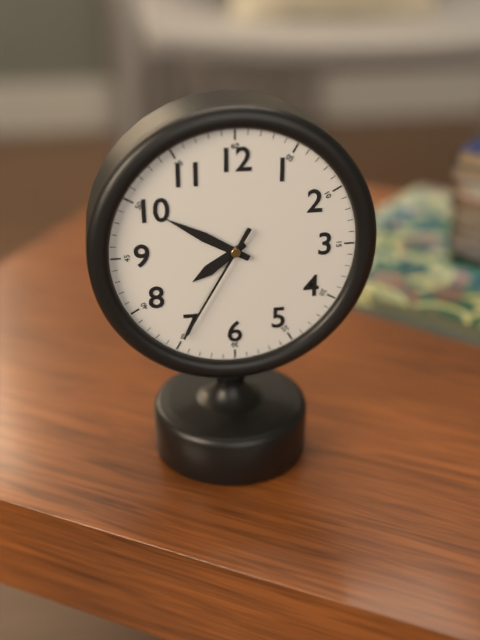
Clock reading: **7:50:35**
